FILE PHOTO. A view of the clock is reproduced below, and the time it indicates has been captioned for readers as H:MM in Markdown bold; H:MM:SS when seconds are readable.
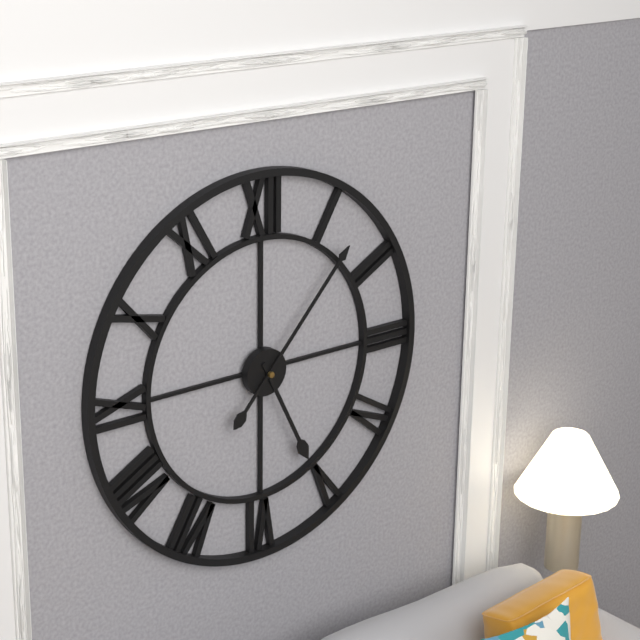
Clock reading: **5:07**
